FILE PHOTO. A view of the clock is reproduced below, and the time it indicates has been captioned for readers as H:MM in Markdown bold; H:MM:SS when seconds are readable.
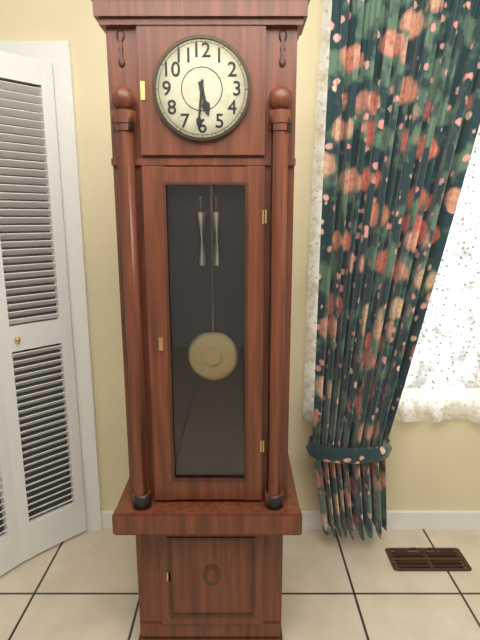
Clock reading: **5:31**
